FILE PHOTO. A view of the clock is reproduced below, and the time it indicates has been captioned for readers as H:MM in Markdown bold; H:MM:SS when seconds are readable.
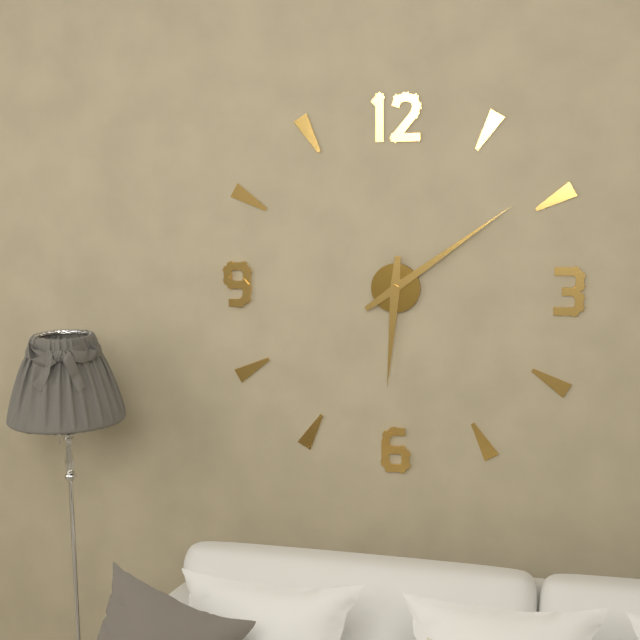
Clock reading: **6:09**
